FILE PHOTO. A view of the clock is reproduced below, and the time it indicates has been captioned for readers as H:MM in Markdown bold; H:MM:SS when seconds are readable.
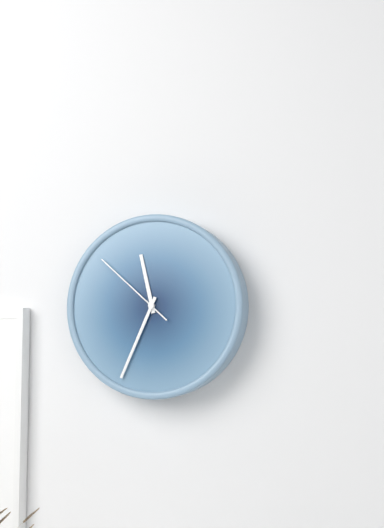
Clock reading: **11:34:52**
